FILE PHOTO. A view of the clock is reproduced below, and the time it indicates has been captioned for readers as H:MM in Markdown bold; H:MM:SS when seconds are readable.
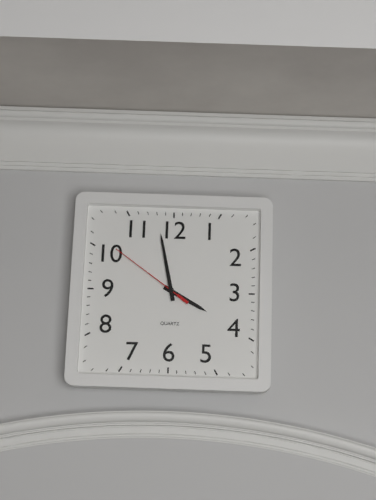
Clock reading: **3:58:51**
